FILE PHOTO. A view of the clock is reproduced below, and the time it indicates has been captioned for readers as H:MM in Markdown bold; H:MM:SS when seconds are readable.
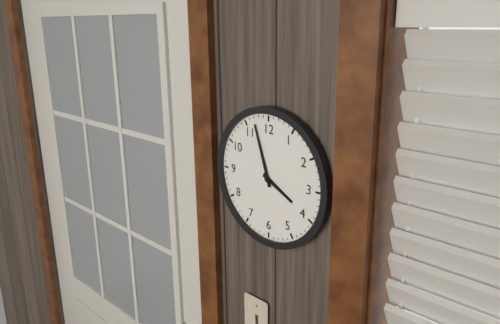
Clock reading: **3:57**
